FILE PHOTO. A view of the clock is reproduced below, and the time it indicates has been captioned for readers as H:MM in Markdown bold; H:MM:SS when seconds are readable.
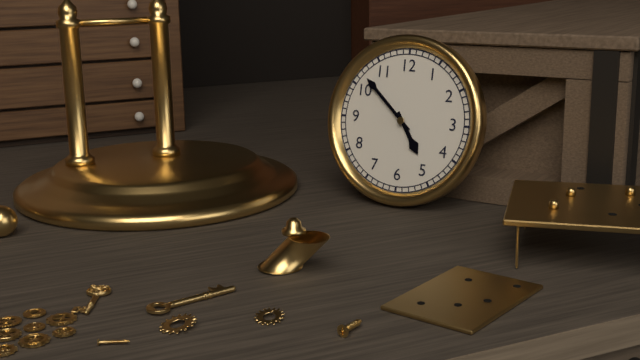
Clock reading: **4:52**
